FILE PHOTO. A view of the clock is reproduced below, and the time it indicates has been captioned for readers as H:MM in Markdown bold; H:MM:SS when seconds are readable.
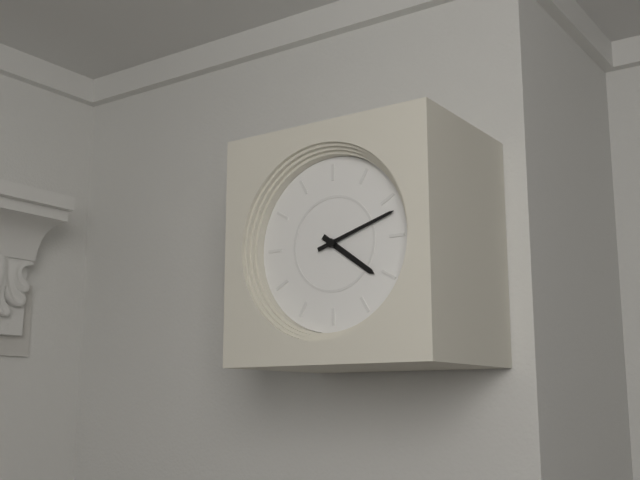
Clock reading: **4:12**
